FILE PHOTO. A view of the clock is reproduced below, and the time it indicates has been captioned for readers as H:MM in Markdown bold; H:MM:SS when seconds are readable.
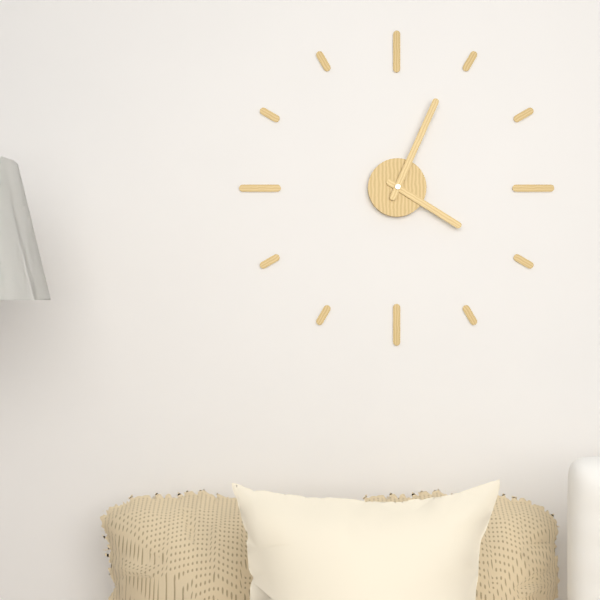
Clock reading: **4:04**
